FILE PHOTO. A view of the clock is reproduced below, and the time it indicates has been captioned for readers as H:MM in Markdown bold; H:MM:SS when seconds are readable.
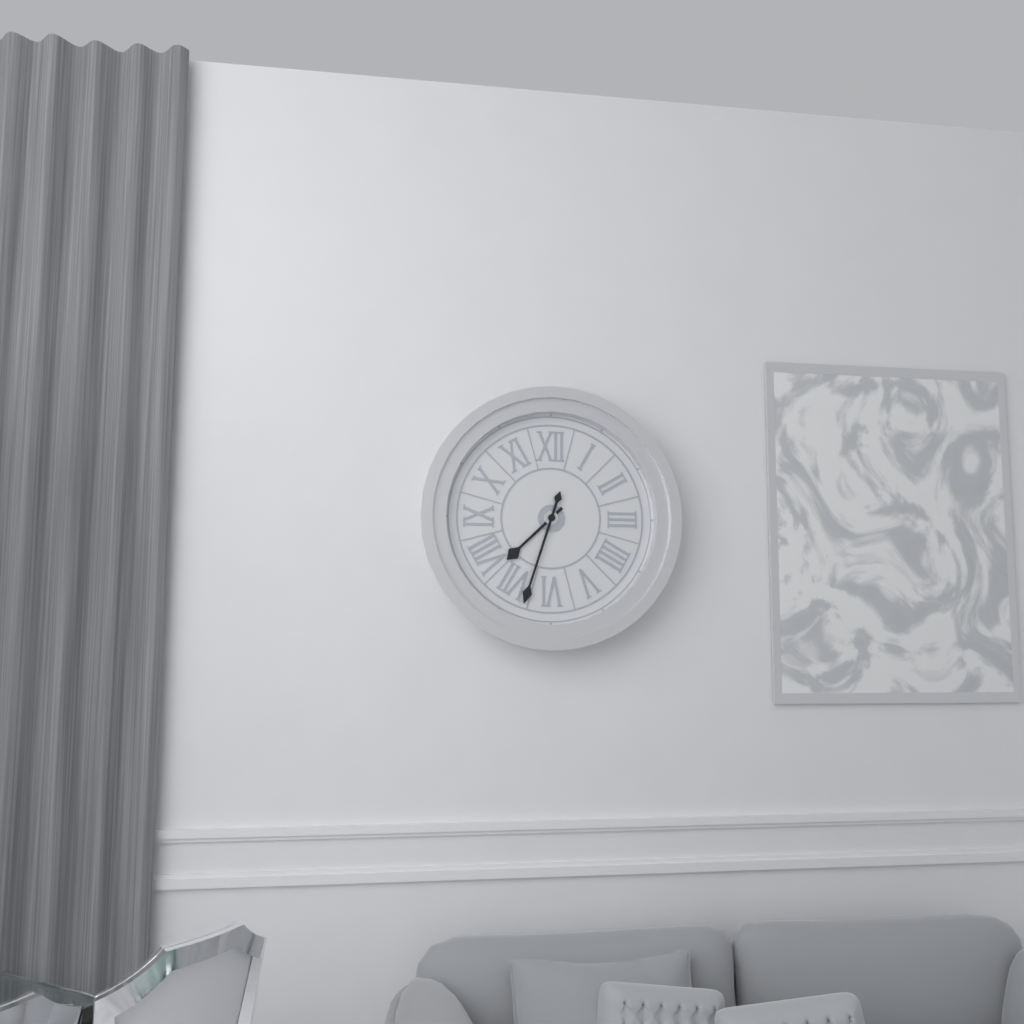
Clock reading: **7:33**
